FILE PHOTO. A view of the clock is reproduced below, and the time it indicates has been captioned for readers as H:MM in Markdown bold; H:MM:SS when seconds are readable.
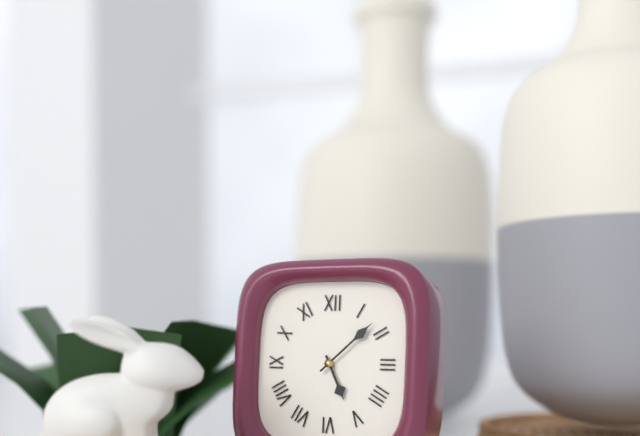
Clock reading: **5:08**
